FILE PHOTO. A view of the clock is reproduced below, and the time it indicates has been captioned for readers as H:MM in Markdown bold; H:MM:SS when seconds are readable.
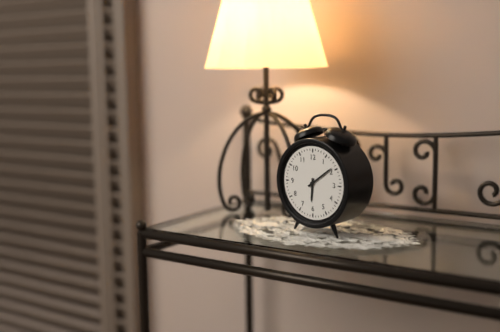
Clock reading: **6:09**
